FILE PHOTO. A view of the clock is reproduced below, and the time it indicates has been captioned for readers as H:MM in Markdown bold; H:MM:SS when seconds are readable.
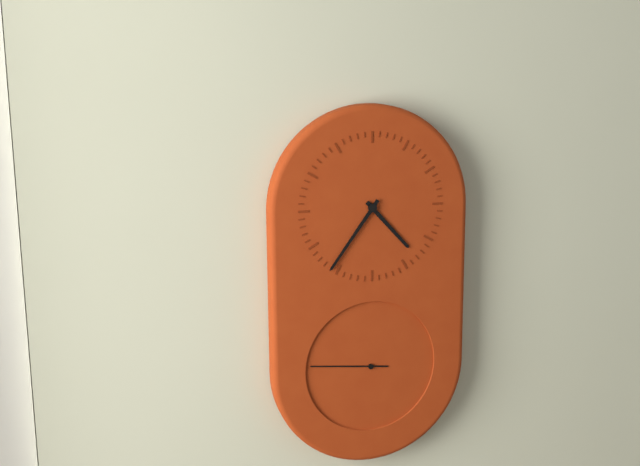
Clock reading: **4:36:46**
